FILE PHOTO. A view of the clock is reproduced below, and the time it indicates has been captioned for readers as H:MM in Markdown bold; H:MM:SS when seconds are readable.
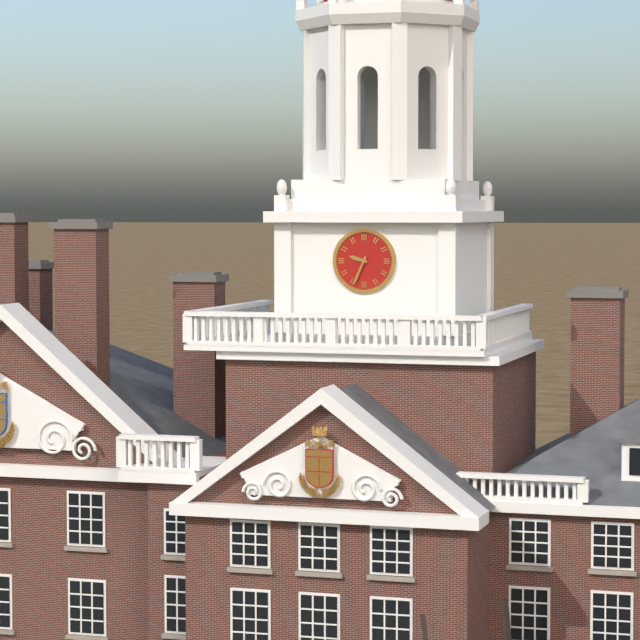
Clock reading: **9:34**
